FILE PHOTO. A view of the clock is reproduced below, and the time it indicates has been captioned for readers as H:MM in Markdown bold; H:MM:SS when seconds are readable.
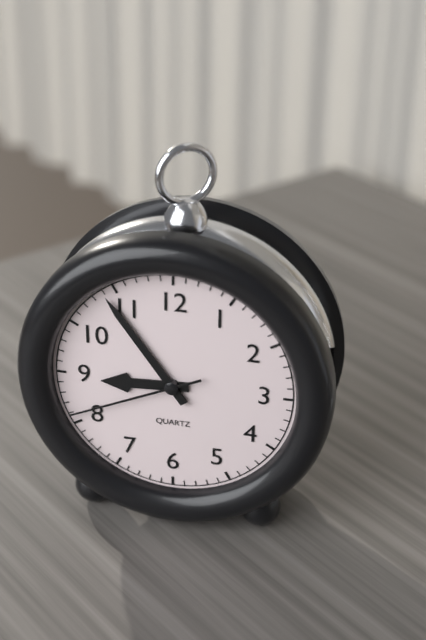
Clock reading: **8:54:41**
